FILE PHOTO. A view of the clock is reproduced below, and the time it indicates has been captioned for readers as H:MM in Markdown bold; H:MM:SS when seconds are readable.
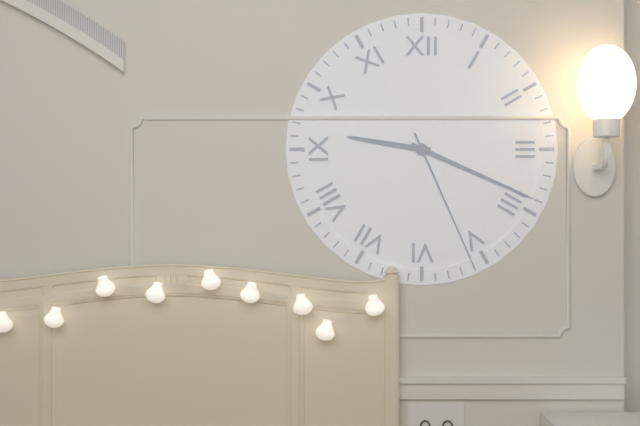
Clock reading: **9:19:26**
